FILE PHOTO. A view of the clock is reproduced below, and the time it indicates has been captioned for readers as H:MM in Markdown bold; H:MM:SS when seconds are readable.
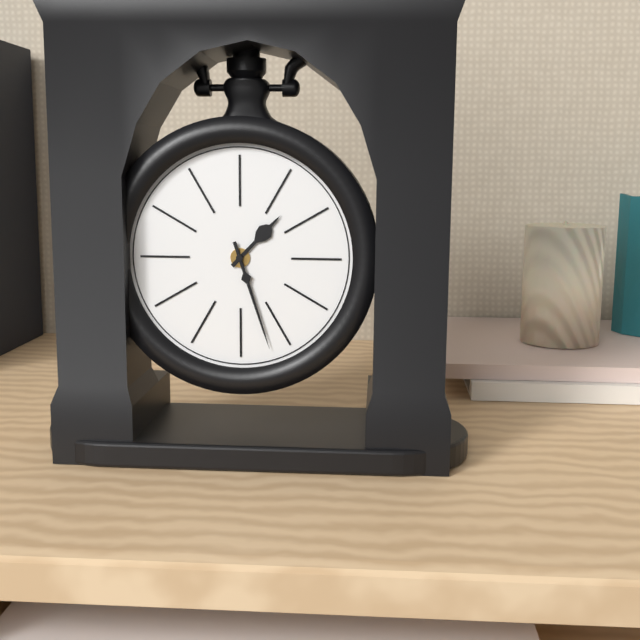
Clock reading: **1:27**
